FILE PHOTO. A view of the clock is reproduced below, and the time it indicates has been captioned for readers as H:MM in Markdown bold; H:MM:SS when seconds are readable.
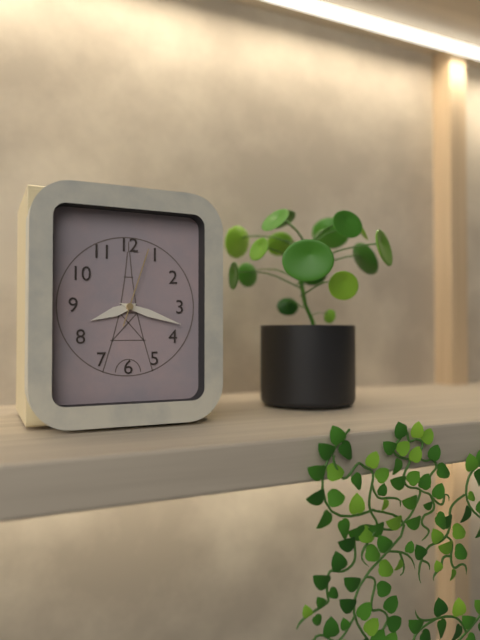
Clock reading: **8:18:03**
